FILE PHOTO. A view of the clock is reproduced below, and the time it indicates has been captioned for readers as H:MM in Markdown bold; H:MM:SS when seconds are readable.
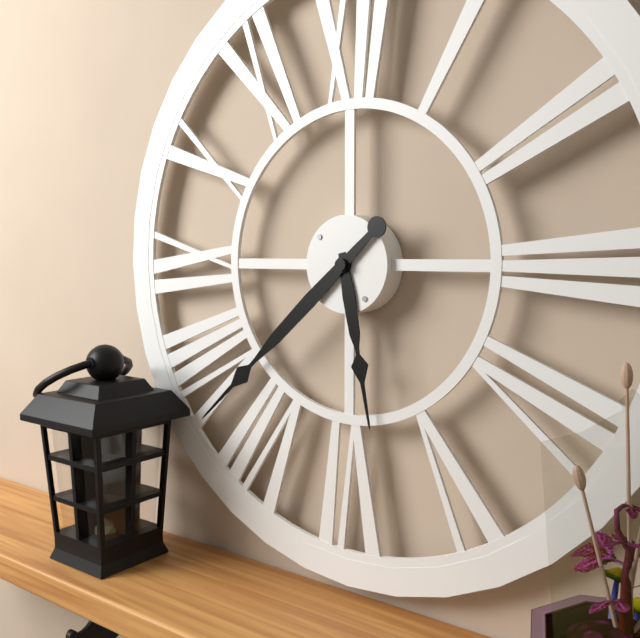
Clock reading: **5:38**
